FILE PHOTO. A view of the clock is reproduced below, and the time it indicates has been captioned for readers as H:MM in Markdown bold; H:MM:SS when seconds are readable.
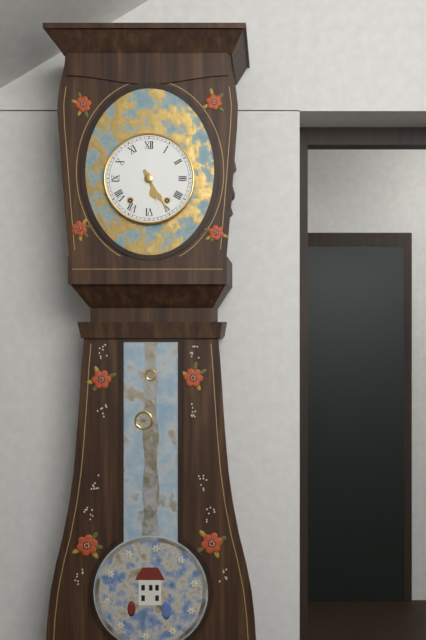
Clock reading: **5:25**
